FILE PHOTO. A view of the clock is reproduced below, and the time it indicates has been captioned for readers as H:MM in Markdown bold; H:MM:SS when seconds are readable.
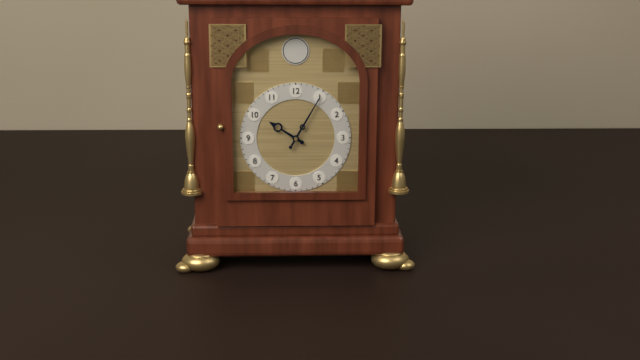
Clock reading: **10:05**
